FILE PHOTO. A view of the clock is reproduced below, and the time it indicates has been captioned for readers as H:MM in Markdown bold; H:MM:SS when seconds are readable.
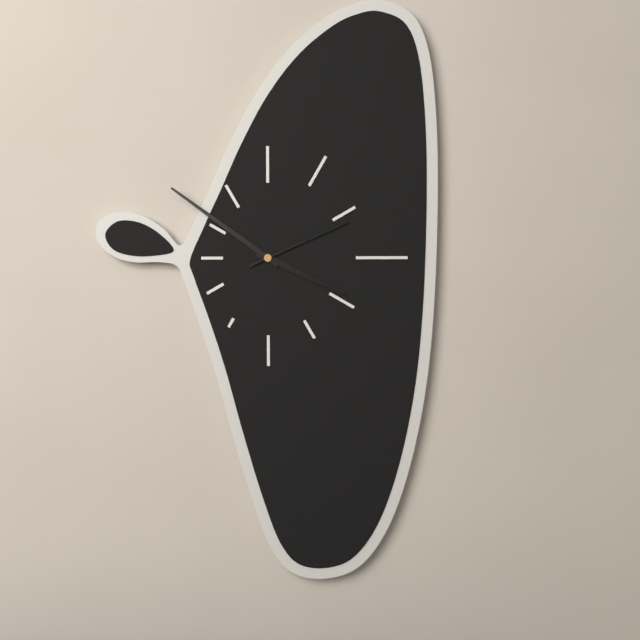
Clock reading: **3:51:11**
